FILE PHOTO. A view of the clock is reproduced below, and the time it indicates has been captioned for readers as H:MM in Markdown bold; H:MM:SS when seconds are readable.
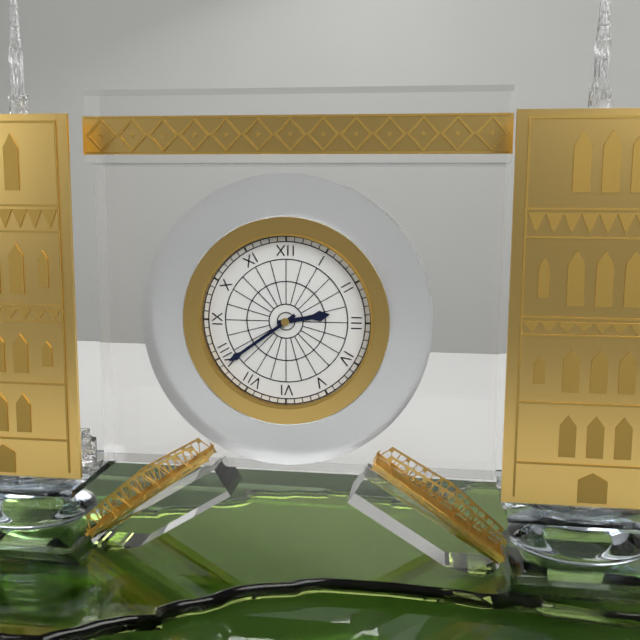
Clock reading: **2:39**
